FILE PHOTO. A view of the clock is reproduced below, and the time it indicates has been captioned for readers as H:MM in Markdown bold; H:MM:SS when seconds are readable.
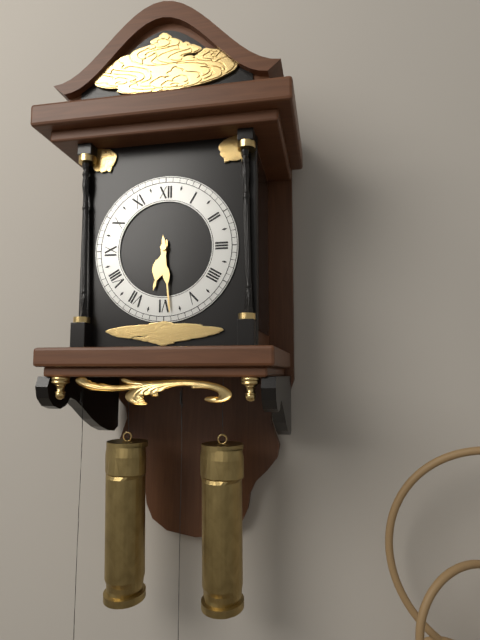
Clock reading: **6:29**
